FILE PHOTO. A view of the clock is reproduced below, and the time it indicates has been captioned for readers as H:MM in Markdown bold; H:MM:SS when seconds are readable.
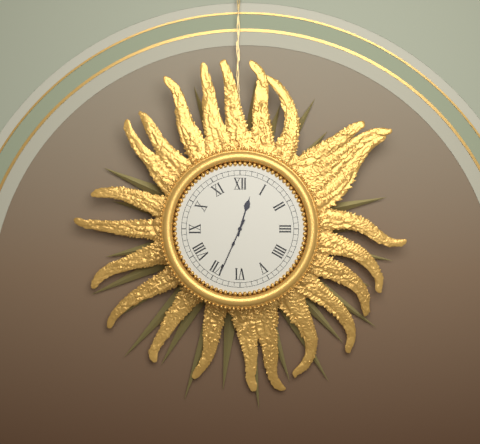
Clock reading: **12:34**
